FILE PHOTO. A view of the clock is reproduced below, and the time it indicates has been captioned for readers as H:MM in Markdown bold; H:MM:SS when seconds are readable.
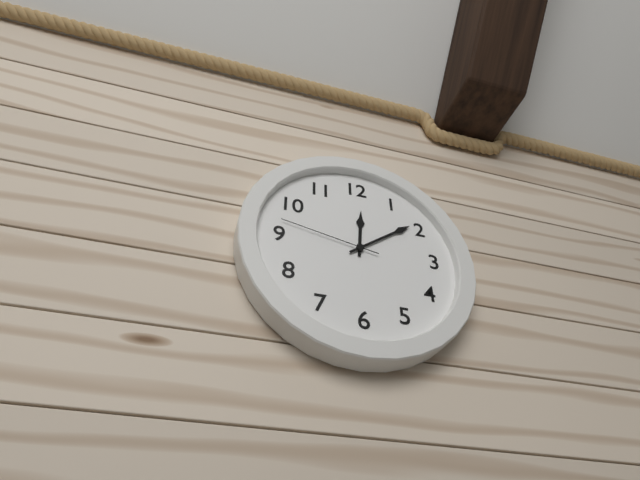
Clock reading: **12:09:47**
